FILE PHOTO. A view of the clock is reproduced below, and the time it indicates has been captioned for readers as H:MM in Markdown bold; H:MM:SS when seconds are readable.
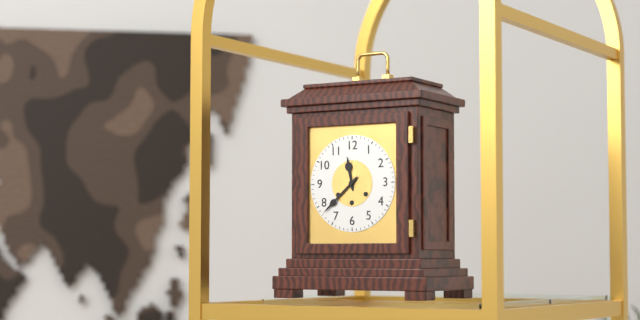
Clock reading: **11:38**
